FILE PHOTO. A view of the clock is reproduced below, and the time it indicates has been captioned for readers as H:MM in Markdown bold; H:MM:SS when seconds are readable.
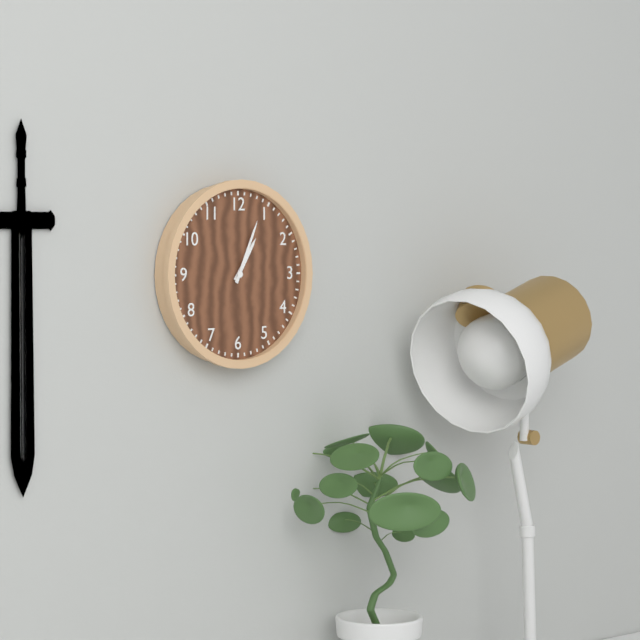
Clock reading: **1:04**
